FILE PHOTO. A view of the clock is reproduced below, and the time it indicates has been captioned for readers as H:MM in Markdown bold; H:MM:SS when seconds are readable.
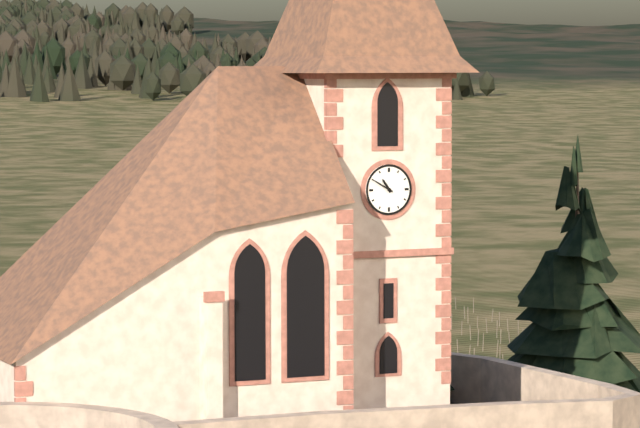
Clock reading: **10:50**
